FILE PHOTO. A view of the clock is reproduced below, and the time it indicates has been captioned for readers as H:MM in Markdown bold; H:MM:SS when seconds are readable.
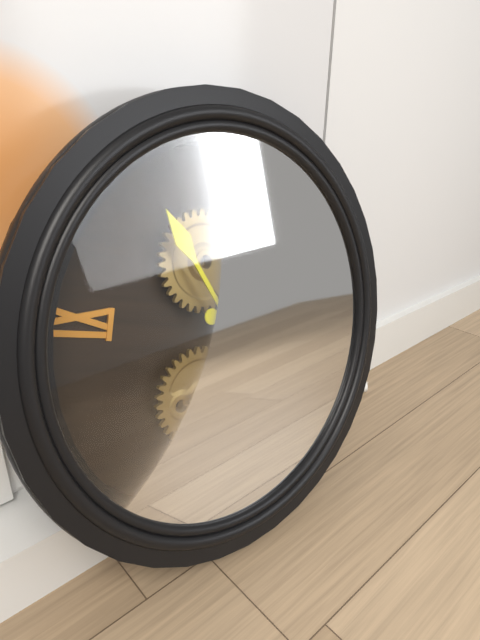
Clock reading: **3:53**
